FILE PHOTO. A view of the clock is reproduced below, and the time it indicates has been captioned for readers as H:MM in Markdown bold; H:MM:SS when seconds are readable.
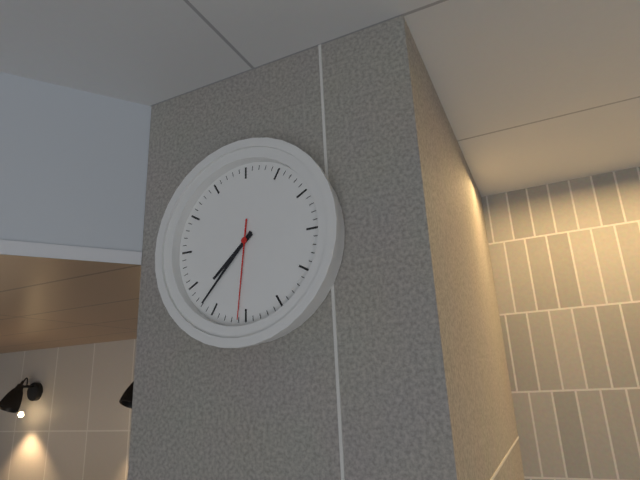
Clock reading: **7:37:31**
